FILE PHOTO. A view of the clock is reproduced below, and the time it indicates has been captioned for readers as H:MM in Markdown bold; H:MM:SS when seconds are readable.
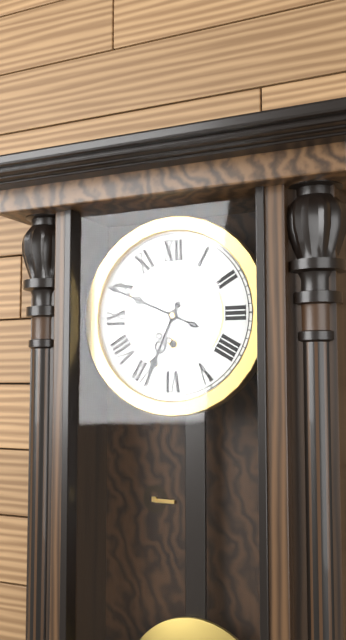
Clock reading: **6:49**
